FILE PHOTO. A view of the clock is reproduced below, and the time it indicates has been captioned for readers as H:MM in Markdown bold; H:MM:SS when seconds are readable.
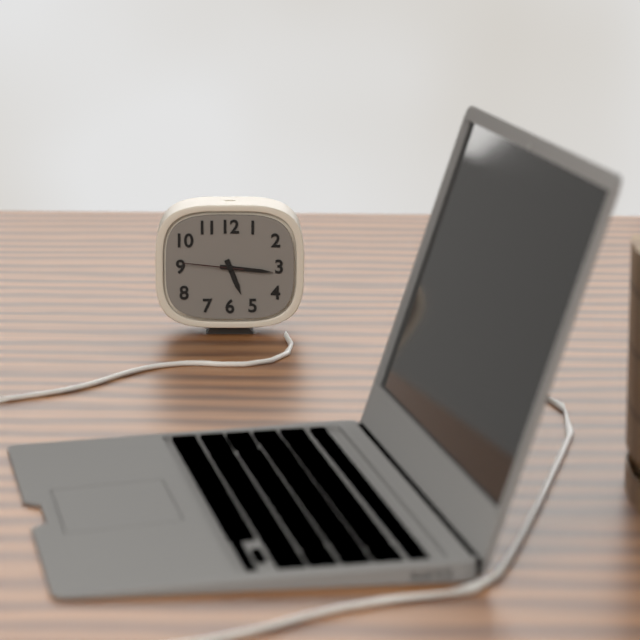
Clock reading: **5:16:46**
